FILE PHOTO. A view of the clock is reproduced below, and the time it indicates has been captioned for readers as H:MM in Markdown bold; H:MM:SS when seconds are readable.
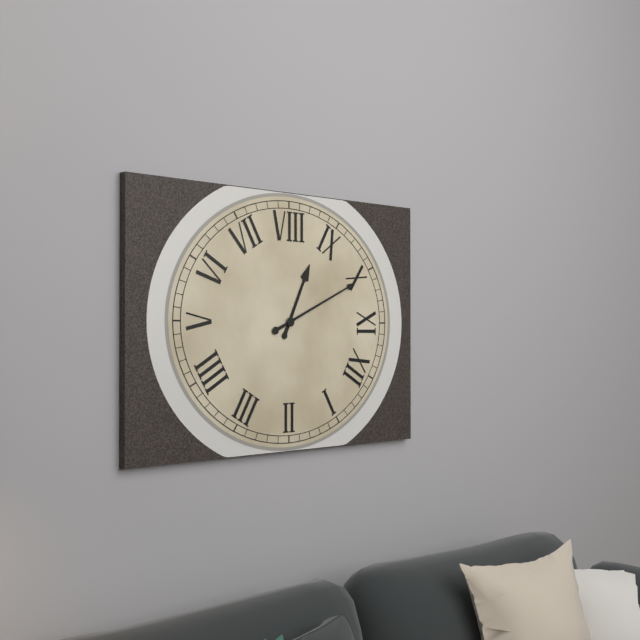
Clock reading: **8:51**
